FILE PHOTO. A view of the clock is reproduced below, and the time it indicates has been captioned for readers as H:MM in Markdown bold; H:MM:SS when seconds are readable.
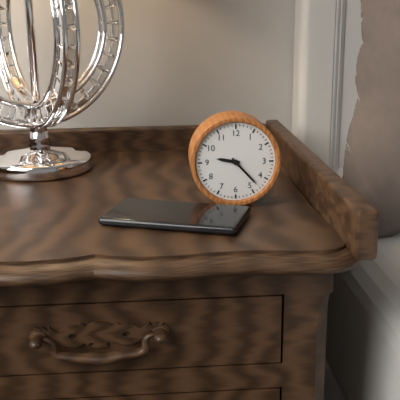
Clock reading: **9:23**
